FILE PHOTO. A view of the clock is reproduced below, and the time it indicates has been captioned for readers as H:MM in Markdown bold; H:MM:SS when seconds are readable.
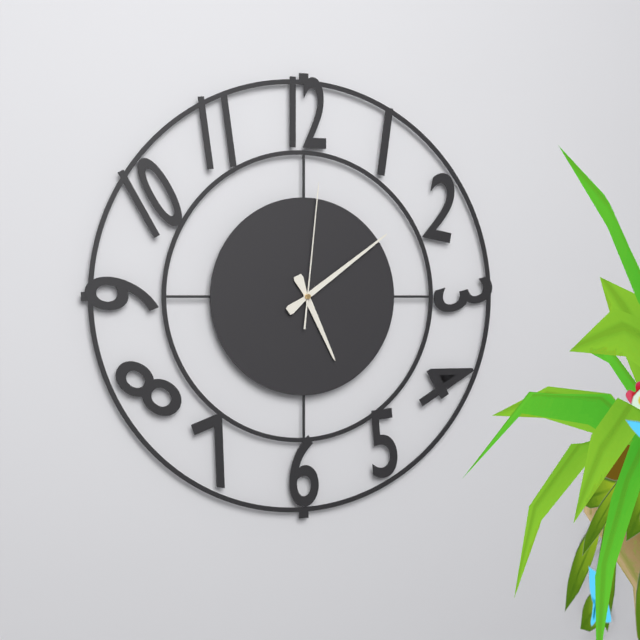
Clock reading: **5:09:01**
